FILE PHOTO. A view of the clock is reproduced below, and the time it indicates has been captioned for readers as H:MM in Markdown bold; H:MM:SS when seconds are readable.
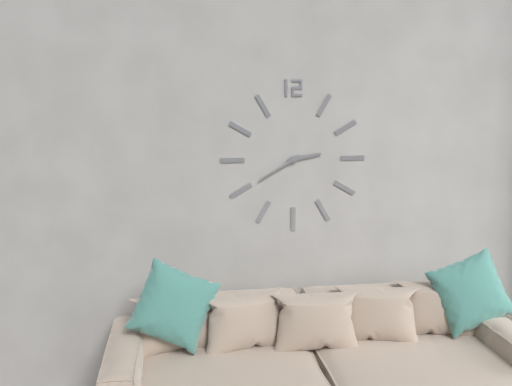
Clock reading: **2:40**
